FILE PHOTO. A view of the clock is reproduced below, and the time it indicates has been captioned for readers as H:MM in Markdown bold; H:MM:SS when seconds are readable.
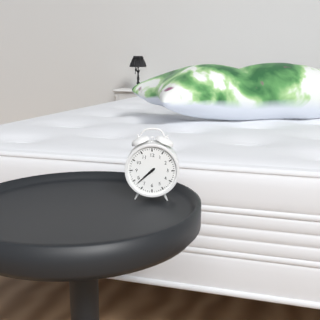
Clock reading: **7:38**
